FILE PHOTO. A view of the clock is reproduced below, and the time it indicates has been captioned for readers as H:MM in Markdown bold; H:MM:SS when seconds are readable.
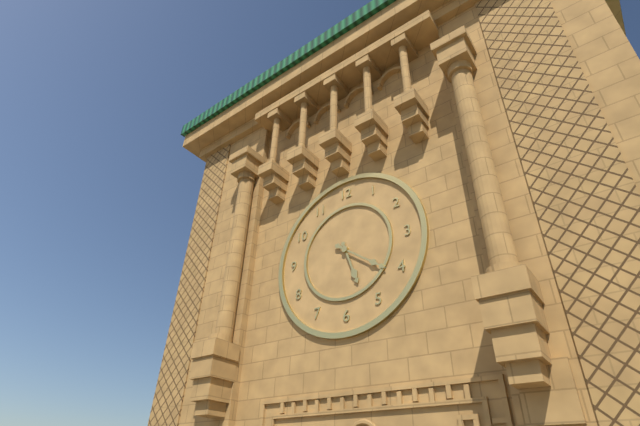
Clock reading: **5:21**
